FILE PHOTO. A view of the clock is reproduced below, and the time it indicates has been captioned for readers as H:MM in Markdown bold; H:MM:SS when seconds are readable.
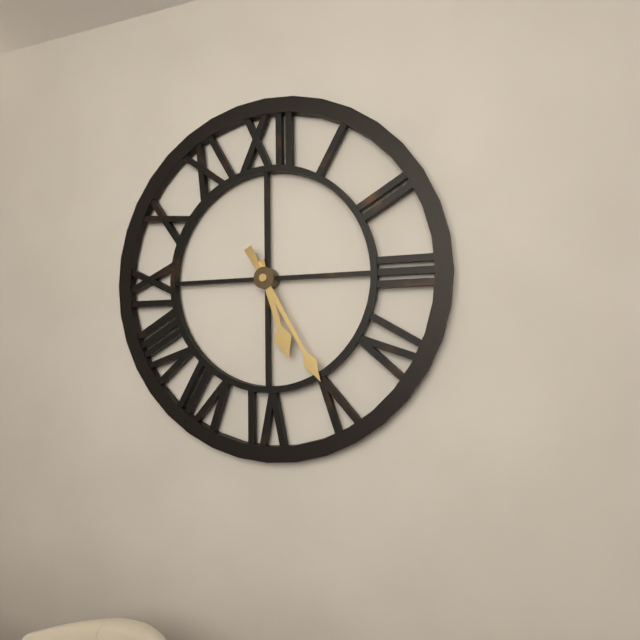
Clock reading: **5:25**
